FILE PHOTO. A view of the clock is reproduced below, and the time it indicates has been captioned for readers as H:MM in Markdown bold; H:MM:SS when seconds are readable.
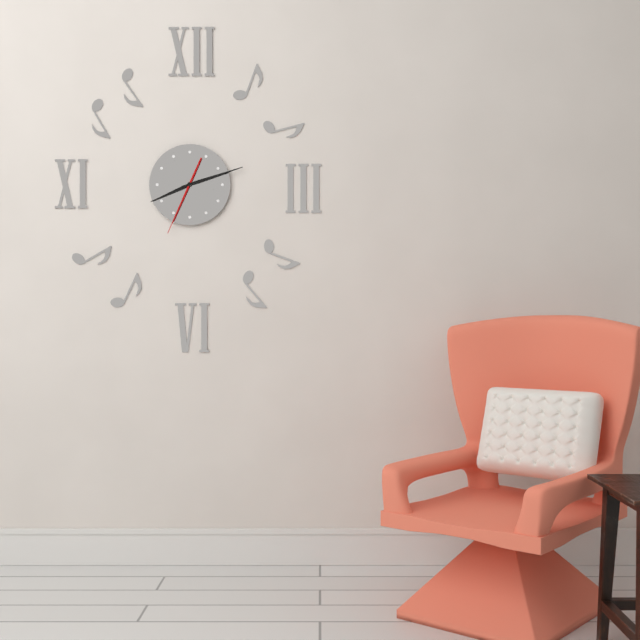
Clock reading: **8:12:34**
